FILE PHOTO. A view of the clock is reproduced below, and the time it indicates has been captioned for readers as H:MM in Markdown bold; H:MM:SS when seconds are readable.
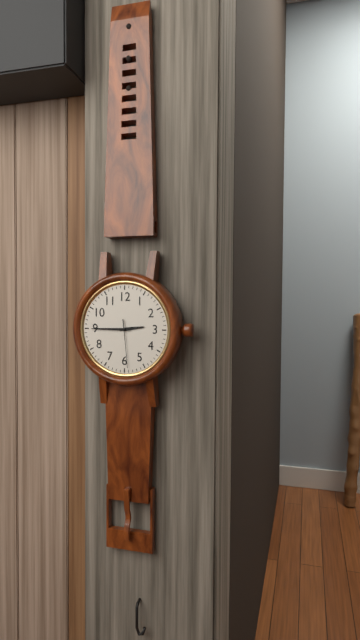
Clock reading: **2:45**
